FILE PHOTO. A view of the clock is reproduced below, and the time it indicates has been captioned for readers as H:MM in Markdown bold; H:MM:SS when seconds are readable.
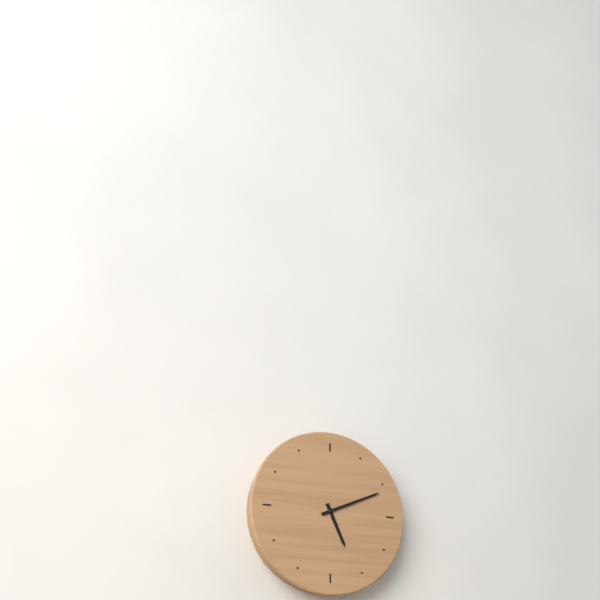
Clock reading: **5:11**
